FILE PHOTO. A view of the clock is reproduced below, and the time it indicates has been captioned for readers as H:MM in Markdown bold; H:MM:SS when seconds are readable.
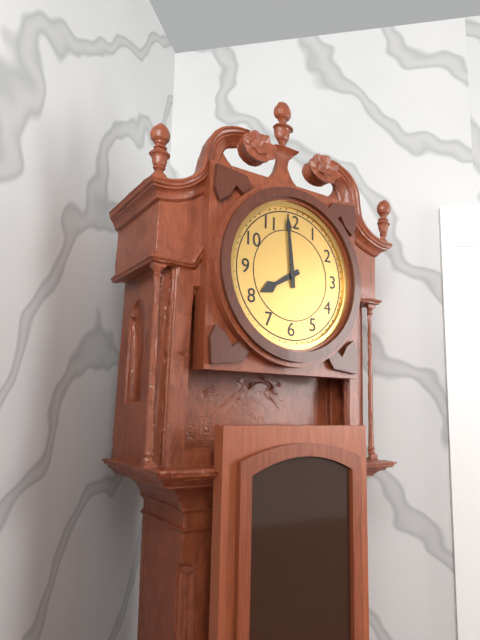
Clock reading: **7:59**
